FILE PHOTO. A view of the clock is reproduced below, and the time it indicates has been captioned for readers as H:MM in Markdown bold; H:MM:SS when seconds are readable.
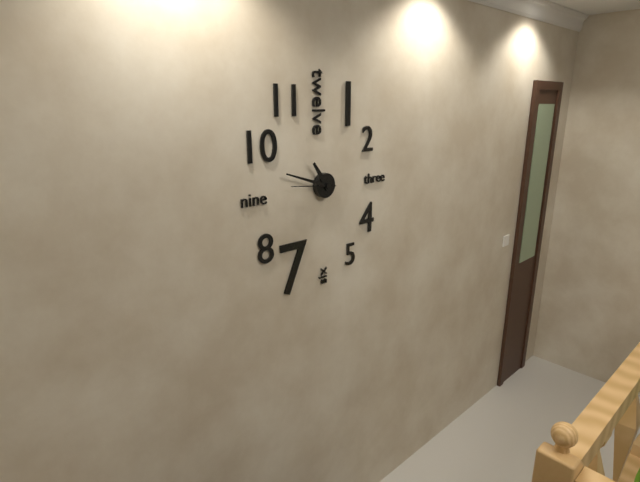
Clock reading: **10:48**
